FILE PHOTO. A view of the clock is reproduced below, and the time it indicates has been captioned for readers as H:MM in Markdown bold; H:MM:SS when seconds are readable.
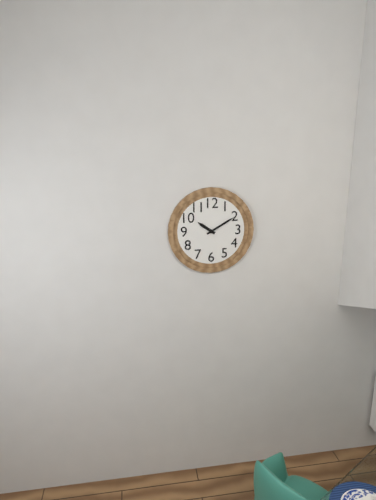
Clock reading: **10:10**
